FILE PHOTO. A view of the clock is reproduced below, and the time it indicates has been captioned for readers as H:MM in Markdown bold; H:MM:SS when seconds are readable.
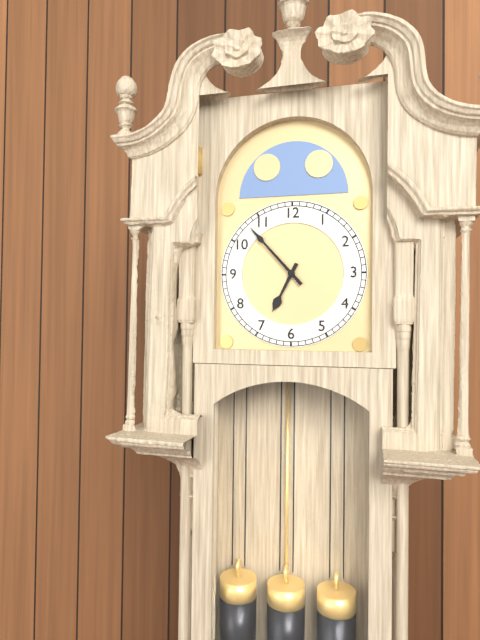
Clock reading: **6:53**
